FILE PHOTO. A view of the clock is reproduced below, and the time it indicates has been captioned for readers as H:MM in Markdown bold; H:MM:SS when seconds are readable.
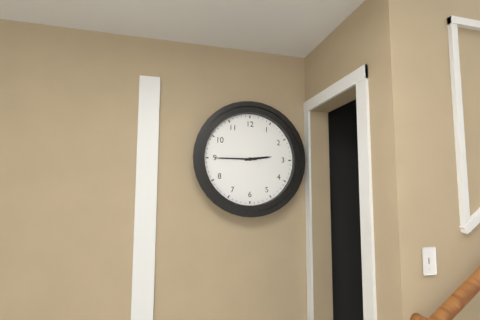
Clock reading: **2:45**
